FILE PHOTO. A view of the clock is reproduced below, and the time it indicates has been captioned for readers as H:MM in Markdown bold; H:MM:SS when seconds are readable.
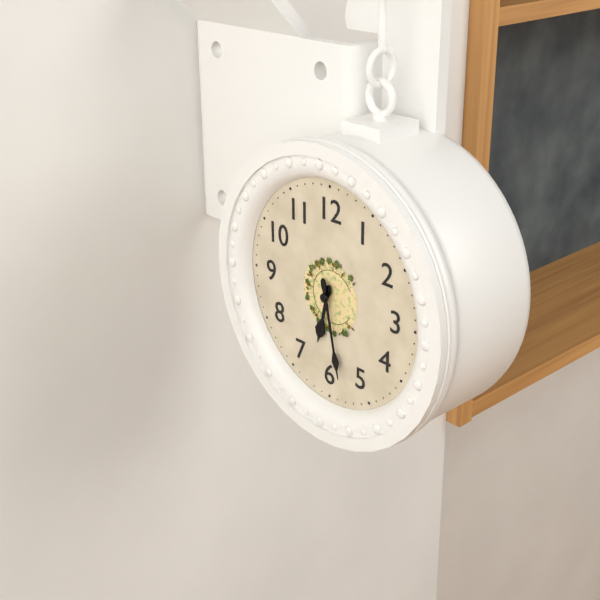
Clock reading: **6:28**
